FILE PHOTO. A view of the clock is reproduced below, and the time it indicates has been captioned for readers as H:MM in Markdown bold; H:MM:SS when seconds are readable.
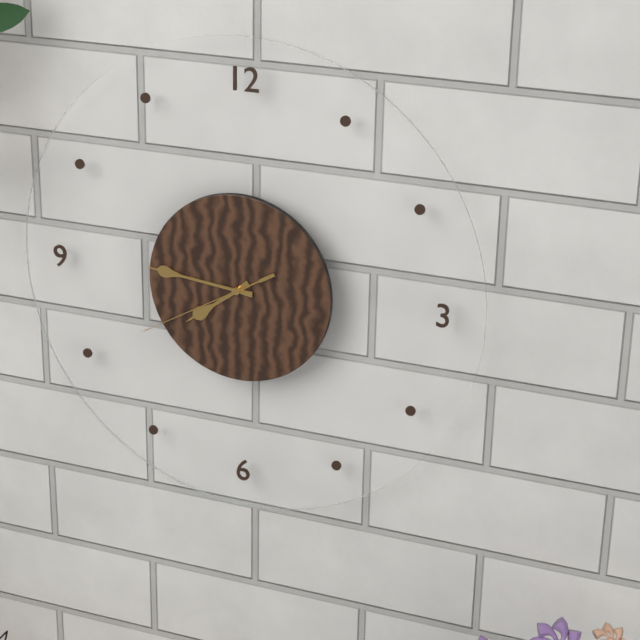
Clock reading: **7:46:40**
